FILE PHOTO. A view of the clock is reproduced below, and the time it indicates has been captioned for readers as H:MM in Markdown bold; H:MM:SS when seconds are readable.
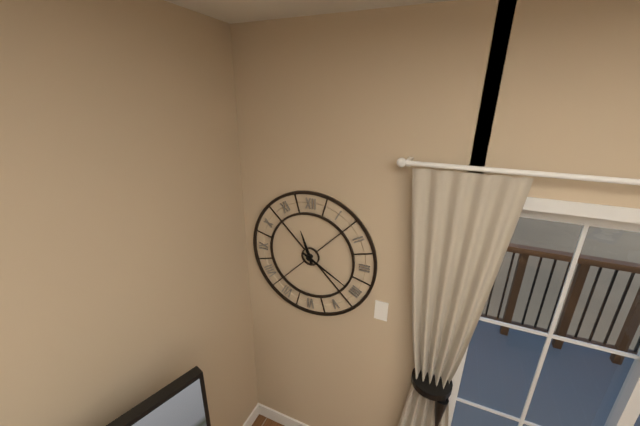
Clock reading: **11:20**
